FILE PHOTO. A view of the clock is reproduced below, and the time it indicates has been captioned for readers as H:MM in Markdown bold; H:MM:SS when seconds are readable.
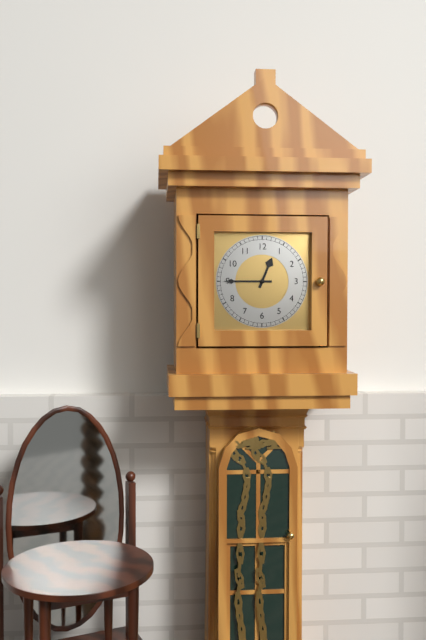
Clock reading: **12:45**
